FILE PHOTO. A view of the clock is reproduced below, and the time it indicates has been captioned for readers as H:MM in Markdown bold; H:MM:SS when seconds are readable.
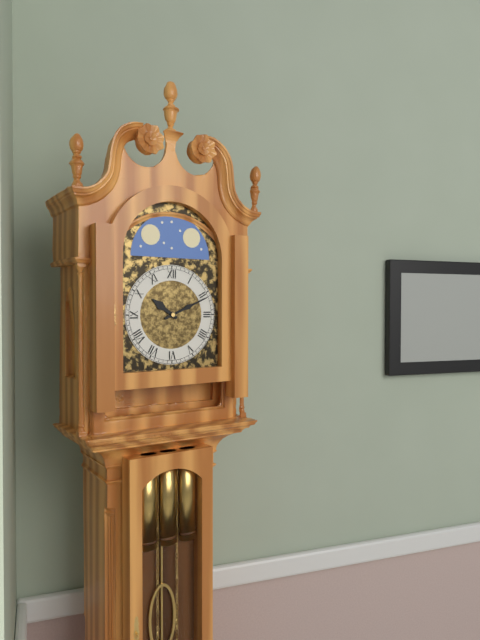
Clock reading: **10:11**
